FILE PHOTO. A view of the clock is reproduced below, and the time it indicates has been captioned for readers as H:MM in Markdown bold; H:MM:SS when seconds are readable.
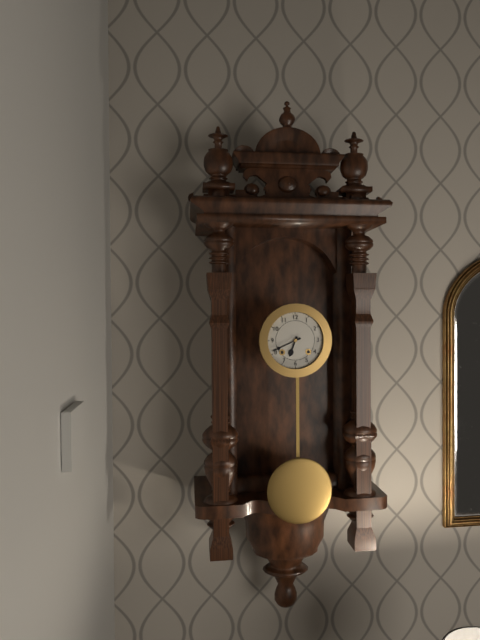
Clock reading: **6:41**
